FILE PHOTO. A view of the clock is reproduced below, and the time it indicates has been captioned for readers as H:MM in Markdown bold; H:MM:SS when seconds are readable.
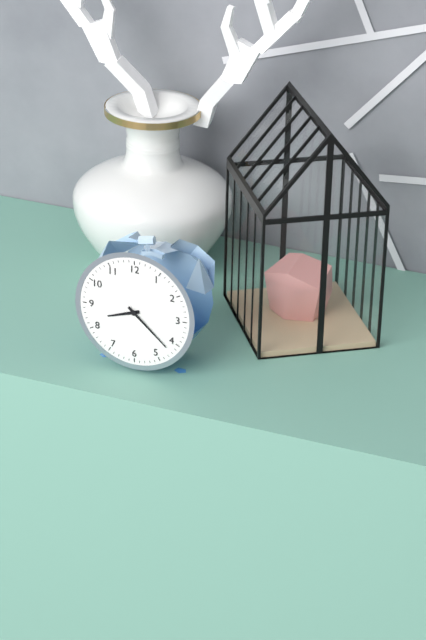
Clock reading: **8:22**
